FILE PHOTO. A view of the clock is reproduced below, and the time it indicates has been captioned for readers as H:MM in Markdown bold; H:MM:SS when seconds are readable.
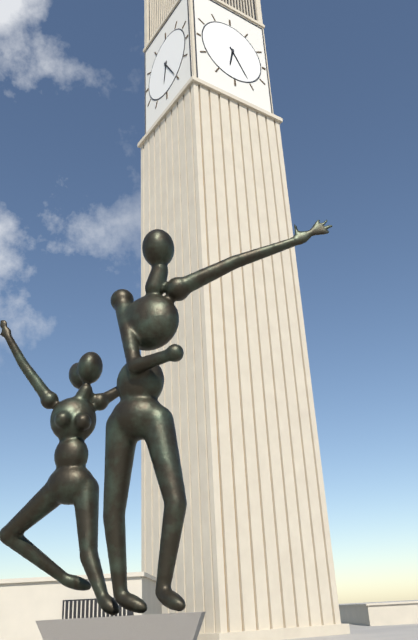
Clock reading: **6:25**
